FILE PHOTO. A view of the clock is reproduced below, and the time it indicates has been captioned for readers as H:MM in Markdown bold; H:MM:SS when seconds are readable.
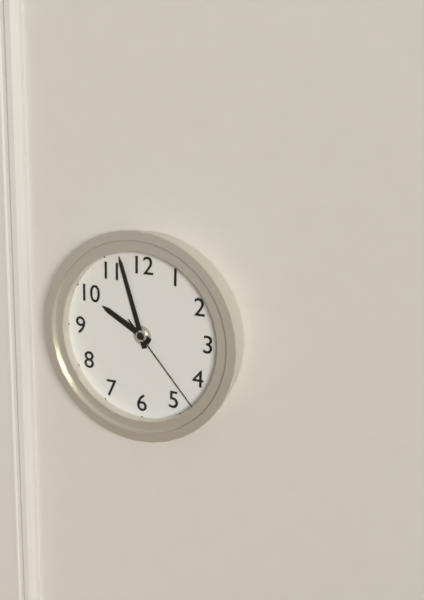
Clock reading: **9:57:23**
